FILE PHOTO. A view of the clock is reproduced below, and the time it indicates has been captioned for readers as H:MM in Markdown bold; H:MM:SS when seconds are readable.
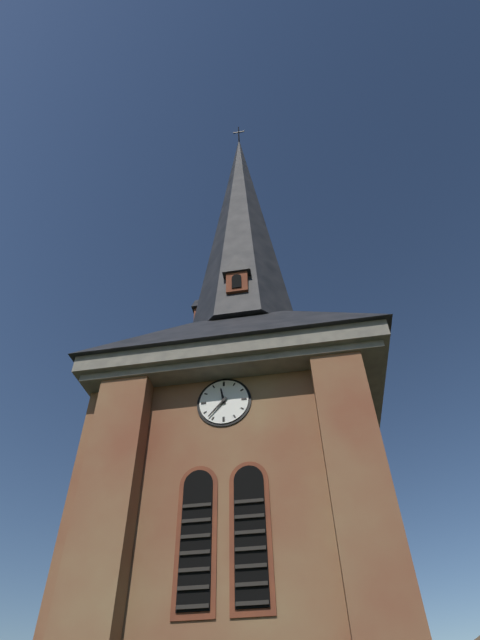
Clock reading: **11:37**
